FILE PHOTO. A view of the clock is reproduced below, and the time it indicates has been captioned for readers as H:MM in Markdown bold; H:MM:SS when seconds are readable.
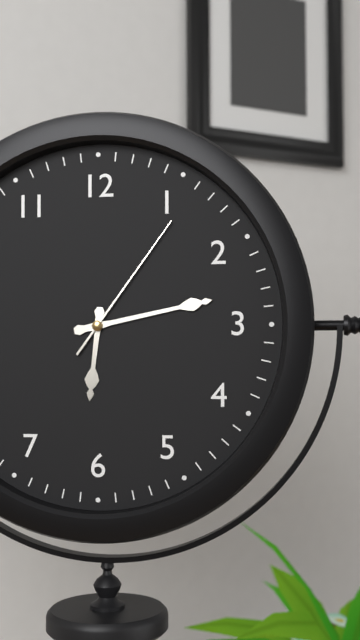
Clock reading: **6:13:06**
